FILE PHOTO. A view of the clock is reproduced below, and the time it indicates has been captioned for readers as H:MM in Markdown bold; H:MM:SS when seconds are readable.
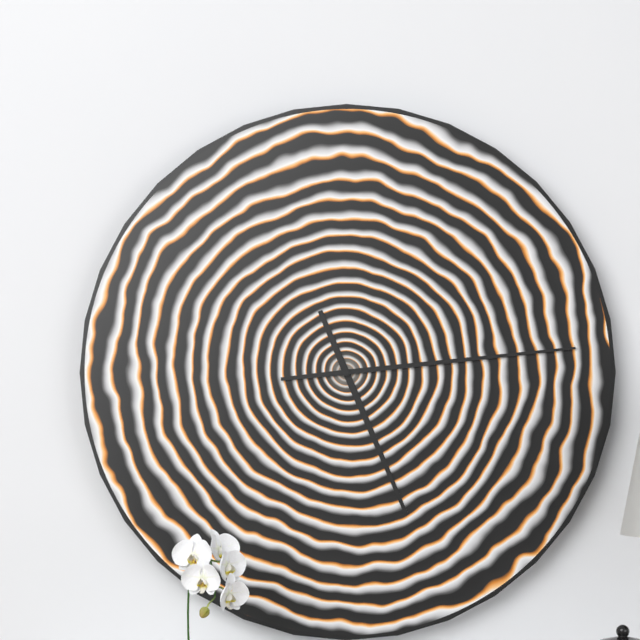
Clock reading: **5:14**
